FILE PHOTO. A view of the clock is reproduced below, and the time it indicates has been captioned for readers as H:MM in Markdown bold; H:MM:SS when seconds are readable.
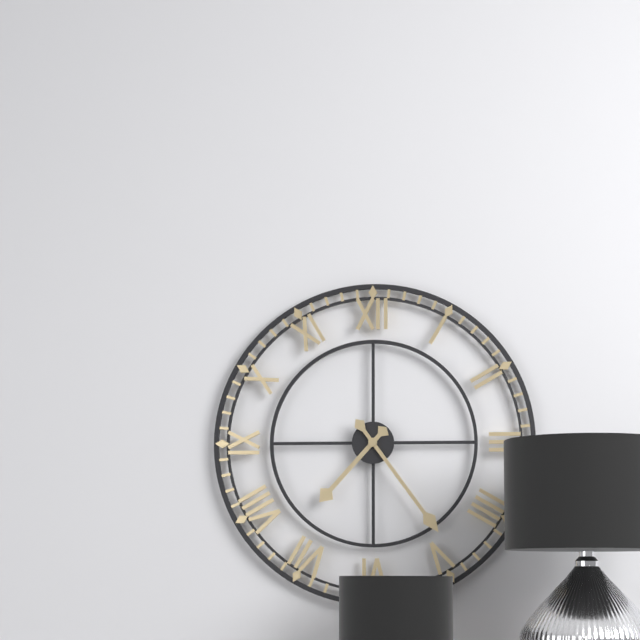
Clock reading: **7:24**
